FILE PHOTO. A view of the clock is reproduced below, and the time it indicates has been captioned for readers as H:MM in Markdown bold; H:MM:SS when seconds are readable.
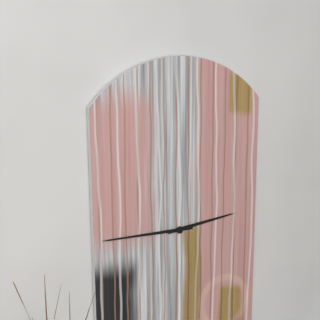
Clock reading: **2:45**
